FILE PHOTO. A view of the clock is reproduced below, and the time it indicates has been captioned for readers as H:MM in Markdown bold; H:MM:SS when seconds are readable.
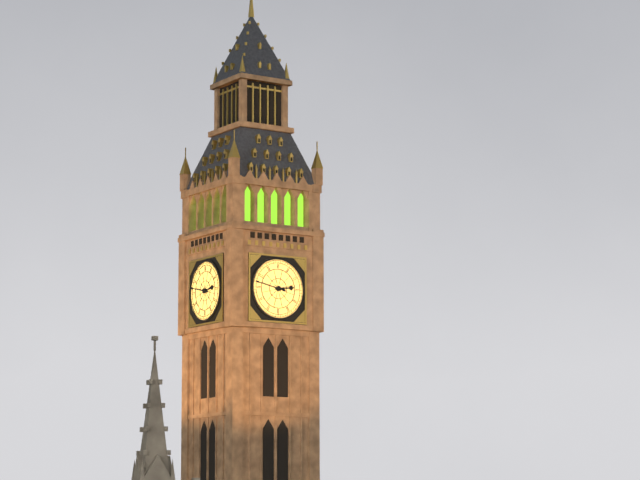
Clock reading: **2:47**
